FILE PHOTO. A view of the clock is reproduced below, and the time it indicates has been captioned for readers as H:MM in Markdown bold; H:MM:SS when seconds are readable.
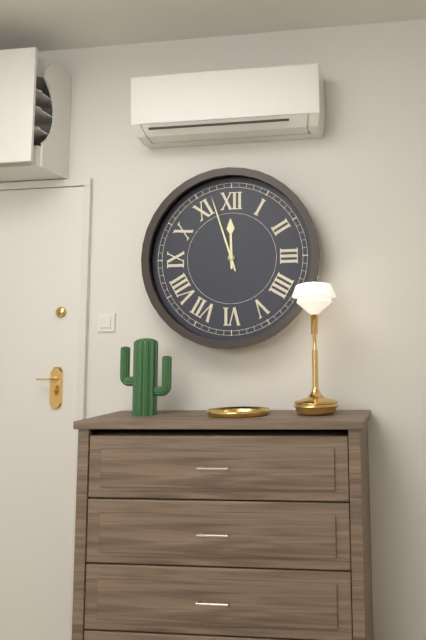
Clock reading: **11:57**
